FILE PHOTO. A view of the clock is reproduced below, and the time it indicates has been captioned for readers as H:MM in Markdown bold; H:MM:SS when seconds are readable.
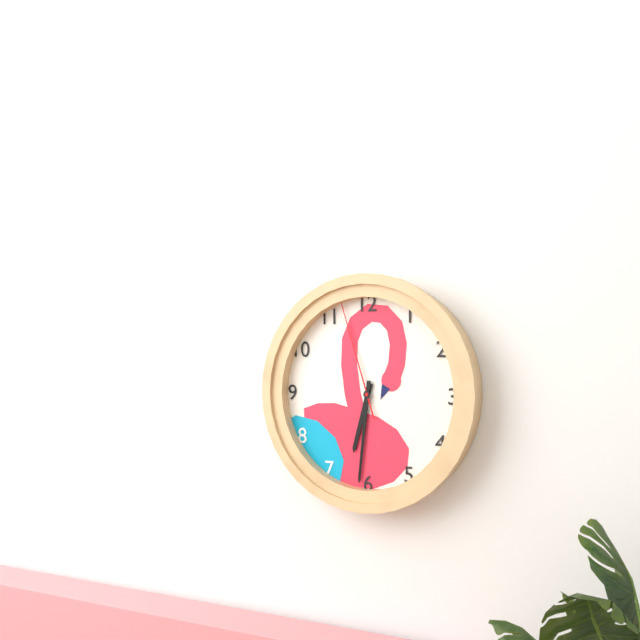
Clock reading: **6:31:57**
